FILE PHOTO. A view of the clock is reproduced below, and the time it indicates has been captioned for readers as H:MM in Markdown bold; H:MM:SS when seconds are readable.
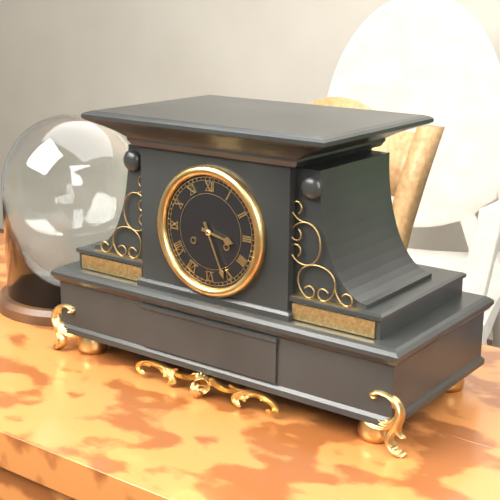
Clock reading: **3:26**
